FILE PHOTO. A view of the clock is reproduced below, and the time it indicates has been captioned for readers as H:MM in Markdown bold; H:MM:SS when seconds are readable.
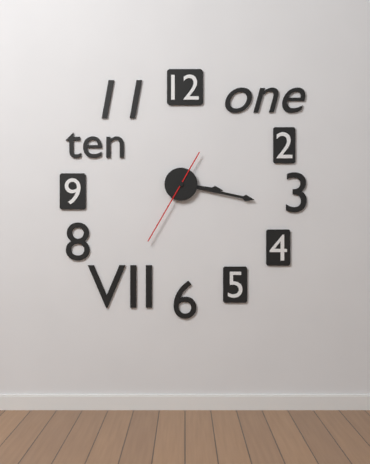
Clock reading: **3:17:35**
